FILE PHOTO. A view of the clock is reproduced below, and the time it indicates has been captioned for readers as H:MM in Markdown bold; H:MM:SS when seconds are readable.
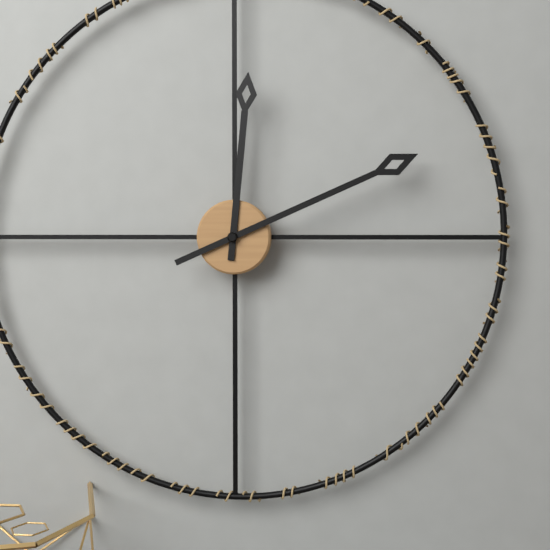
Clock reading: **12:11**
